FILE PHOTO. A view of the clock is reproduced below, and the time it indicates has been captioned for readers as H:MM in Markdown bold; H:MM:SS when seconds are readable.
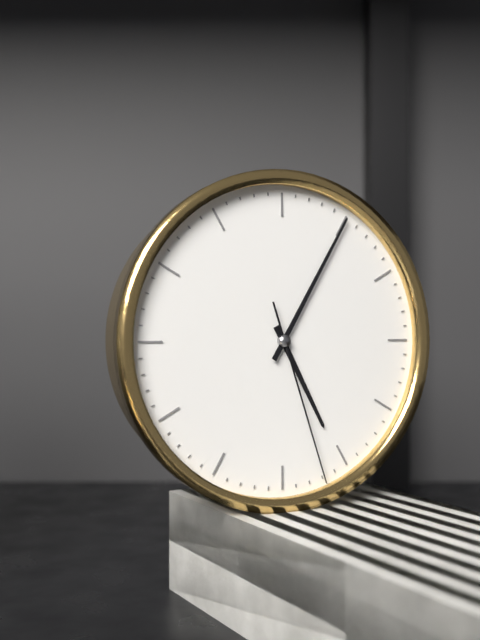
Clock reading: **5:05:27**
